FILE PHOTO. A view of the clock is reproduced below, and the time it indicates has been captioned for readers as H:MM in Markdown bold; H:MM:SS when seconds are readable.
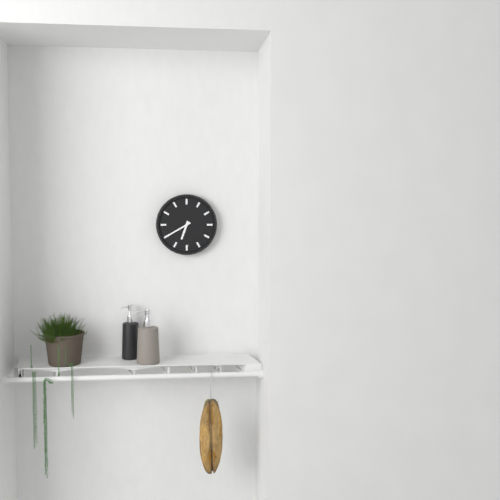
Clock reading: **6:40**
